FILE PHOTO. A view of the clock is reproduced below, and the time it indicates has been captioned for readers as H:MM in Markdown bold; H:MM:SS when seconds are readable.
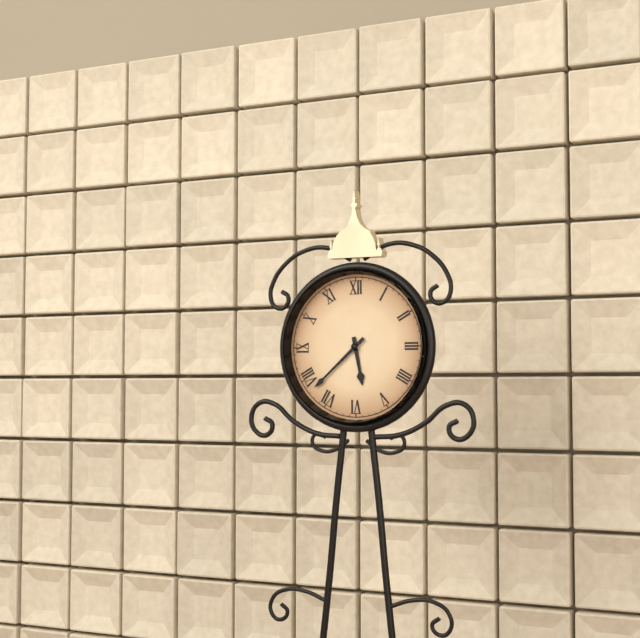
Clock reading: **5:38**
